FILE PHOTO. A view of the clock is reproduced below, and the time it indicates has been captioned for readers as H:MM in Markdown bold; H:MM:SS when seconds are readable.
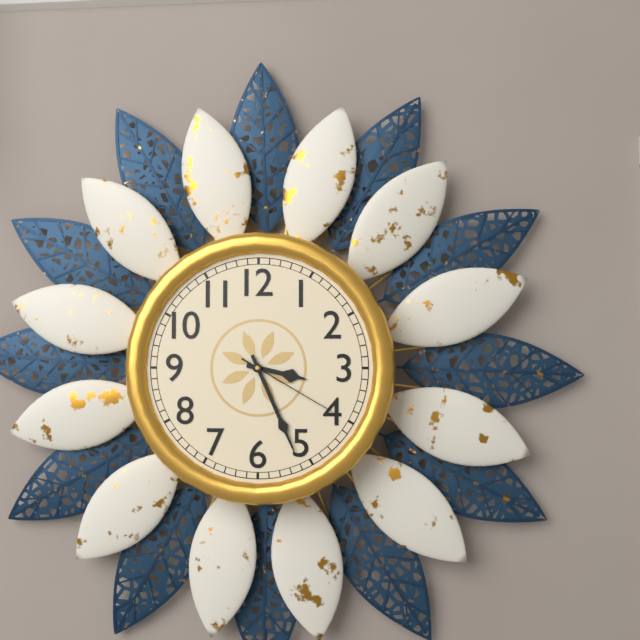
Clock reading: **3:26:20**
